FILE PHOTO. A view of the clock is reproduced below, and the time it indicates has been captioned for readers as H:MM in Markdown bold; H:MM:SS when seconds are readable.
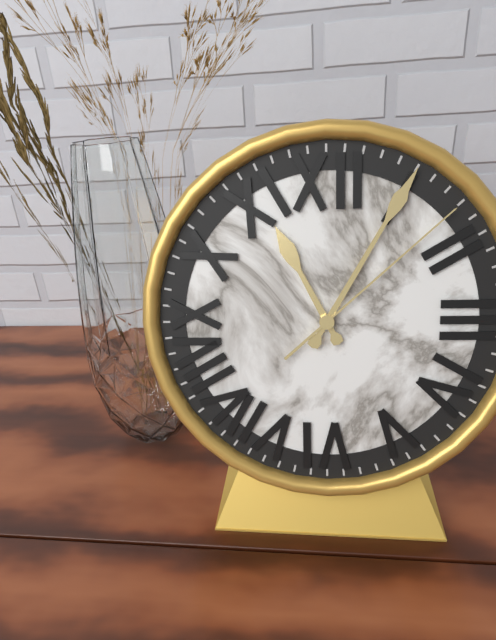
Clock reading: **11:05:08**
